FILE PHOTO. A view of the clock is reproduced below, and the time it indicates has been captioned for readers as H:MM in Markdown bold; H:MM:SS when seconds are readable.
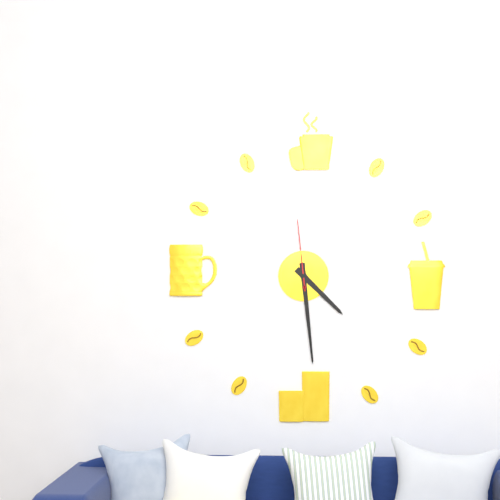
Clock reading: **4:29:59**
